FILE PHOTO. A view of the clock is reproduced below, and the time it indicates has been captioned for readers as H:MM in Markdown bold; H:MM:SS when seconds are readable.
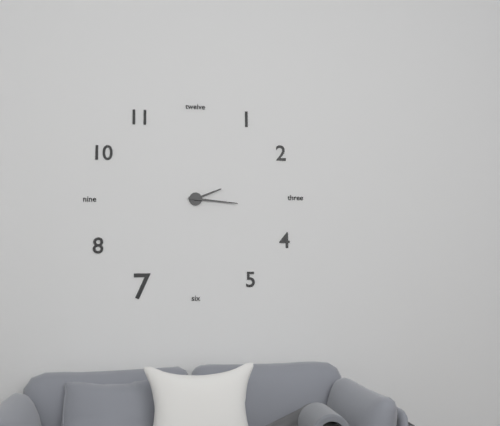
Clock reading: **2:16**
